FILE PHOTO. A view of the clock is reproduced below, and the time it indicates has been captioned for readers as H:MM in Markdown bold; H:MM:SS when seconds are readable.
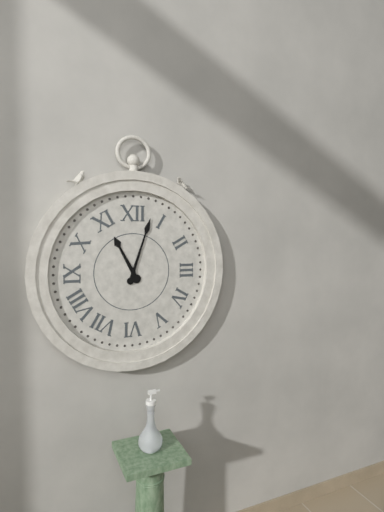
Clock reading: **11:03**
